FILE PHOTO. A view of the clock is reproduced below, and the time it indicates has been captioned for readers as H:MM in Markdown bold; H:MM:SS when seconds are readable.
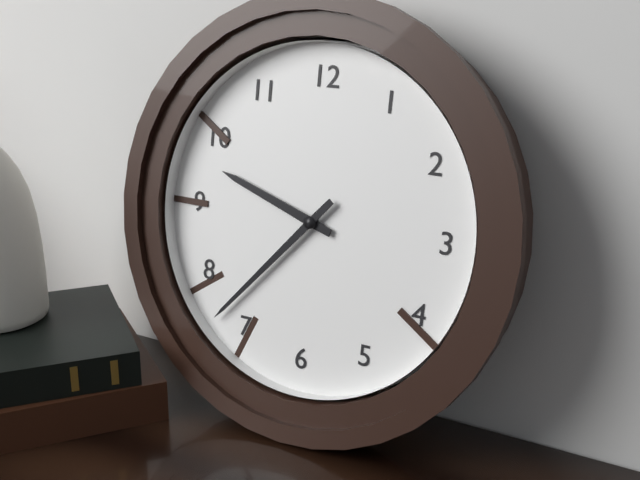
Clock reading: **9:37**
